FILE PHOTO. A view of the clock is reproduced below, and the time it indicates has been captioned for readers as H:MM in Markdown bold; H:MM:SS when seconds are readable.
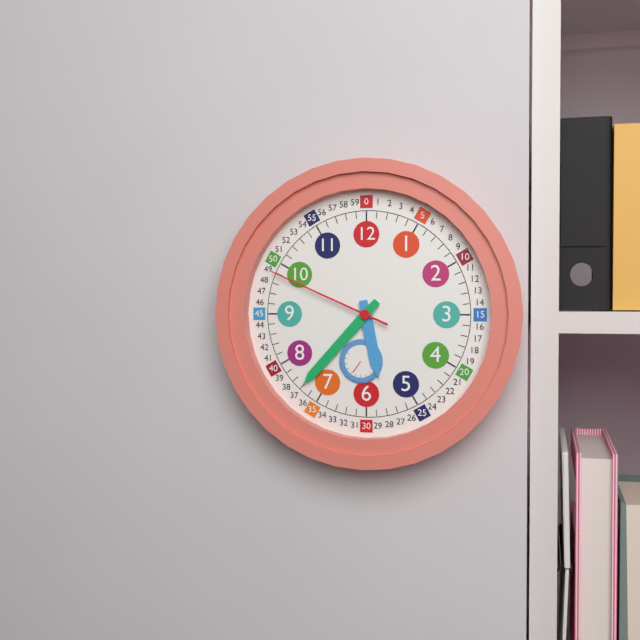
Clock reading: **5:37:49**
